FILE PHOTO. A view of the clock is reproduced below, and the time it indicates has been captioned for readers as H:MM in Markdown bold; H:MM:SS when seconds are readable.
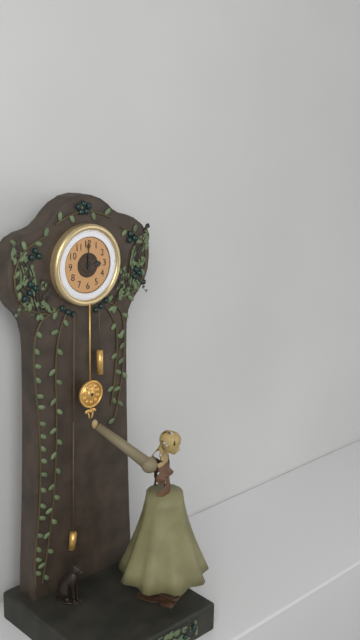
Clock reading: **3:00**
